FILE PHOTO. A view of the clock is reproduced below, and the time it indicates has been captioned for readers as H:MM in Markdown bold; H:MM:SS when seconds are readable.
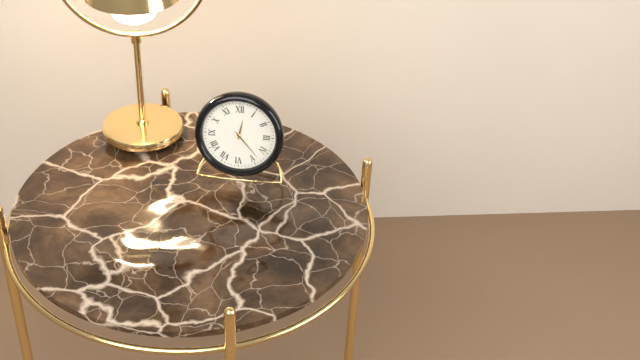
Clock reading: **12:23**
